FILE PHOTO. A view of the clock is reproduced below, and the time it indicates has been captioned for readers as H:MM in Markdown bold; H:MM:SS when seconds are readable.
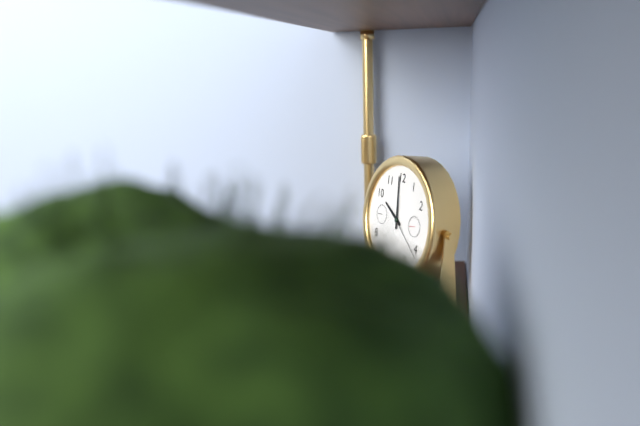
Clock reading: **9:59:21**
